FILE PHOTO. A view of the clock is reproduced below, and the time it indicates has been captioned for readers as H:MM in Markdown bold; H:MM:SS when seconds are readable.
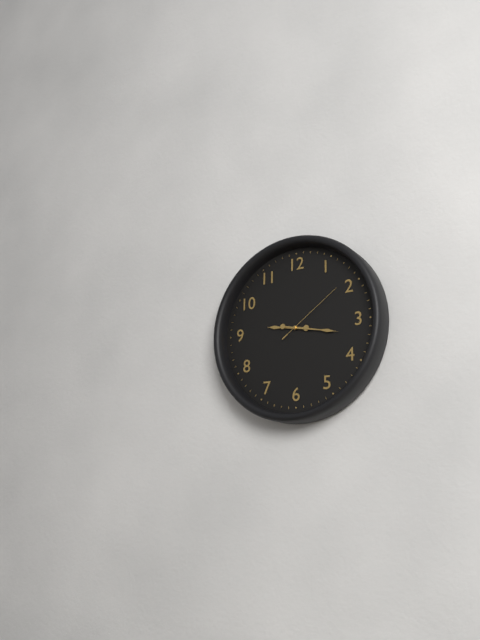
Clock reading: **9:17:09**
